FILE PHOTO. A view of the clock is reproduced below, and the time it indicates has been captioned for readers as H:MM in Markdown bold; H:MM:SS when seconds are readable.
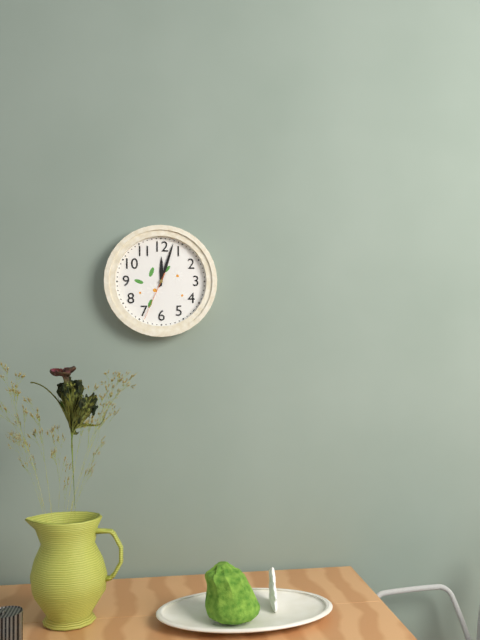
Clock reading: **12:03:34**
